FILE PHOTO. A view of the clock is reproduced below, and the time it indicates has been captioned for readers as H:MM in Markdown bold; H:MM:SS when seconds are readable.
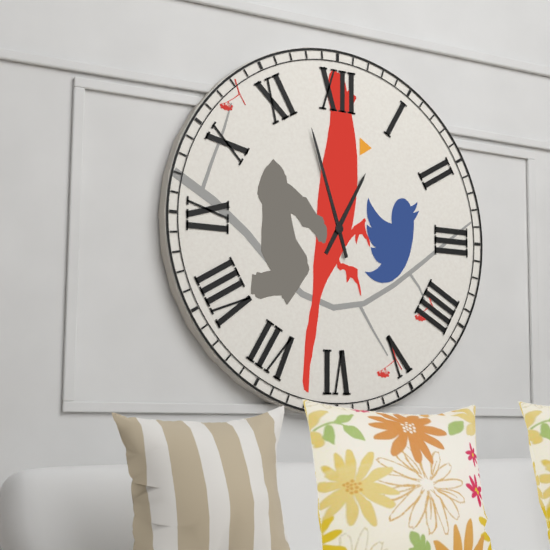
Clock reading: **12:57**
